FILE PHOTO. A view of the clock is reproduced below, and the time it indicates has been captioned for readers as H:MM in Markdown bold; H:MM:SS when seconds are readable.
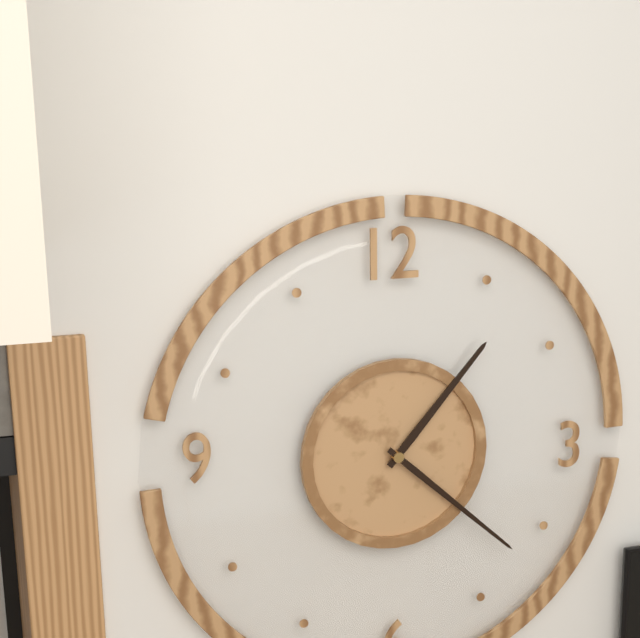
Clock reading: **1:22**
